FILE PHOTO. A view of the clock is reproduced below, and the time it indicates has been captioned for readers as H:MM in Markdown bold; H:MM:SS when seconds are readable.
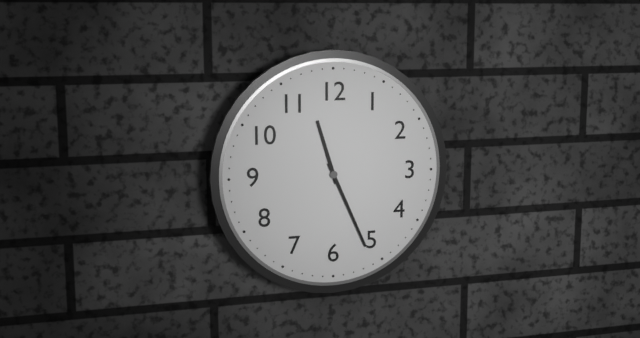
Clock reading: **11:26**
